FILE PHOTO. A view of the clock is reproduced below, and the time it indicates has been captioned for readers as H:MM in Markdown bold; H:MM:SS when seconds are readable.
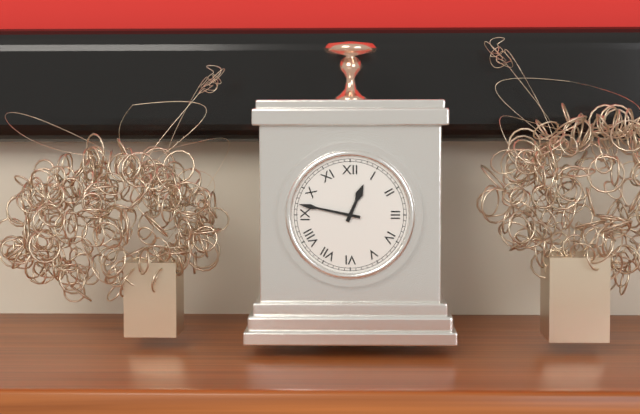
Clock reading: **12:47**
